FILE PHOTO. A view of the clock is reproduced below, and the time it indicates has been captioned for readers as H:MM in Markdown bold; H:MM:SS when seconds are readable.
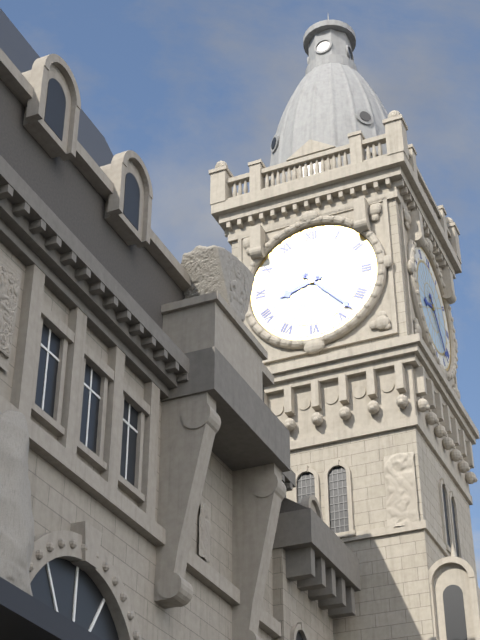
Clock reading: **8:23**
